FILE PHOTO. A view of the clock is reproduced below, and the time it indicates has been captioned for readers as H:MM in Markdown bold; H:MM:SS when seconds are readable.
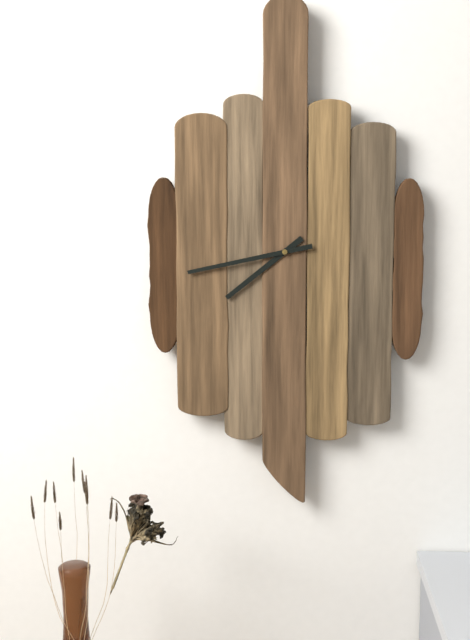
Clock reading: **7:43**
